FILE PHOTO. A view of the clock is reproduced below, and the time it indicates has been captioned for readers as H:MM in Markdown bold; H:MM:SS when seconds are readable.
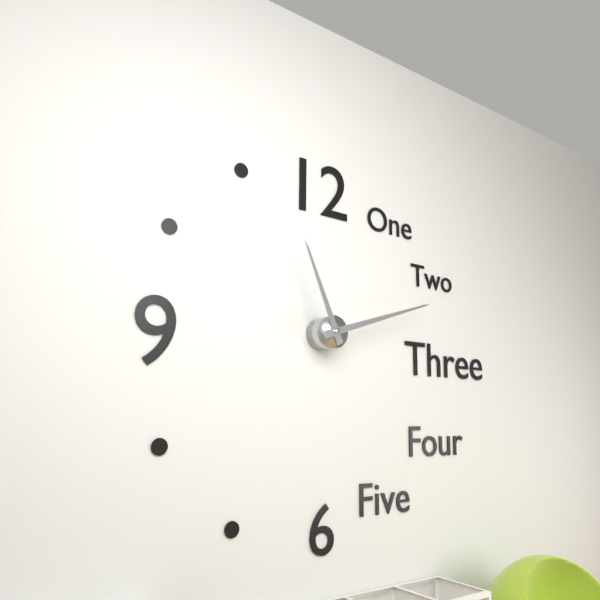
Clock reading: **11:12**
